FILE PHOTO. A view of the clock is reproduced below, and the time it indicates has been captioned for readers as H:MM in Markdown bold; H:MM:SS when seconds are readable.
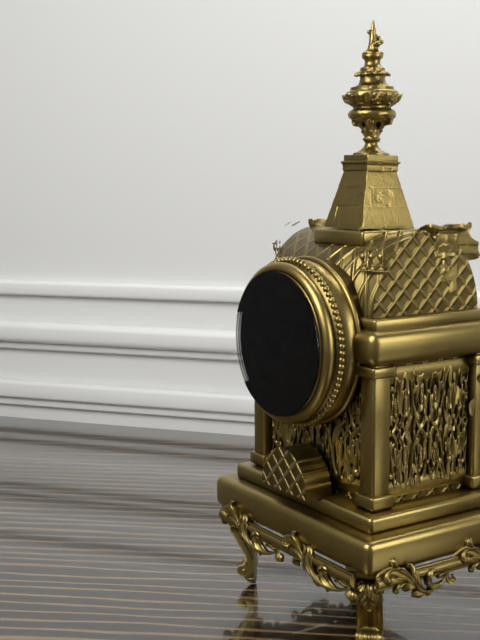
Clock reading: **2:43**
